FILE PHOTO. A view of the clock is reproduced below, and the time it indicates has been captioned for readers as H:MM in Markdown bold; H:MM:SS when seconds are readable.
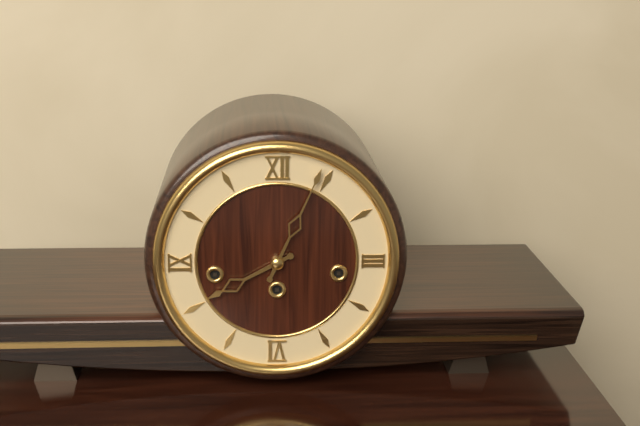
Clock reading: **8:04**
